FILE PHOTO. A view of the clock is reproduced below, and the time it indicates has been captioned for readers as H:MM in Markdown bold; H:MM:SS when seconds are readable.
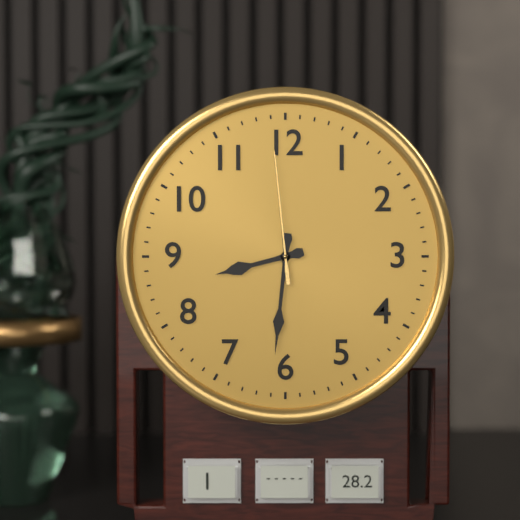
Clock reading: **8:31:59**
